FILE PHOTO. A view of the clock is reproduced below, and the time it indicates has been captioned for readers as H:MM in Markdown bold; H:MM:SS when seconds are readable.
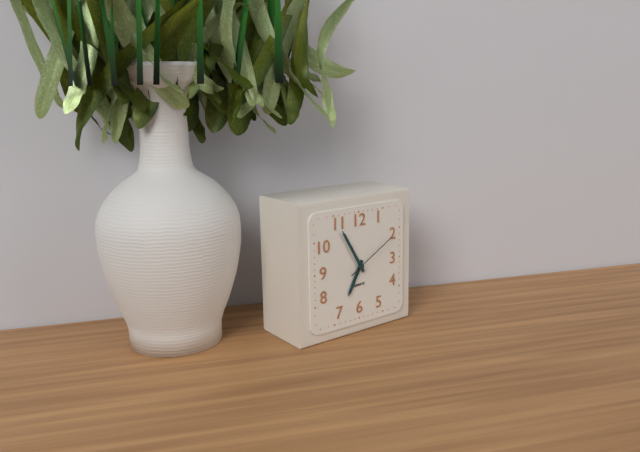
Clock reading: **6:55:10**
